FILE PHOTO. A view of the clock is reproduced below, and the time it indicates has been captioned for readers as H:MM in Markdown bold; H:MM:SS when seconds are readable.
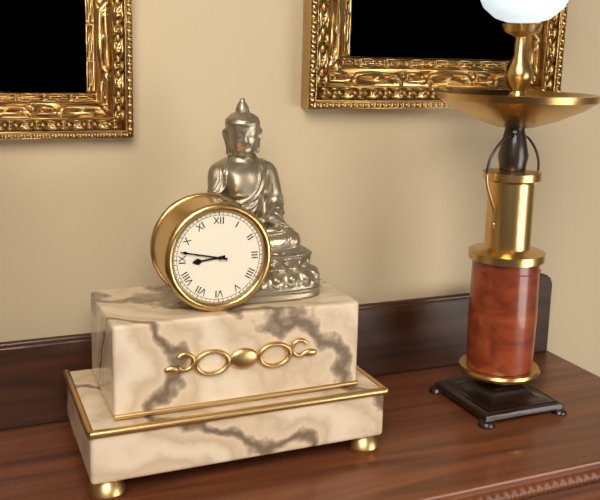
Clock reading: **8:47**
